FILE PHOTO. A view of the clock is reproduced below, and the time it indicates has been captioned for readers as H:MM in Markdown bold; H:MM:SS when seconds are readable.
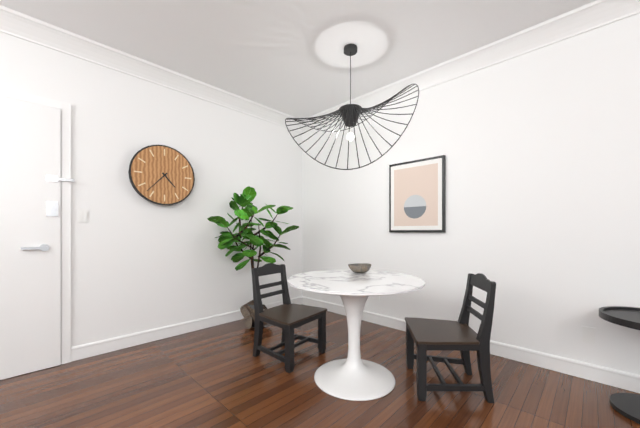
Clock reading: **4:37**
